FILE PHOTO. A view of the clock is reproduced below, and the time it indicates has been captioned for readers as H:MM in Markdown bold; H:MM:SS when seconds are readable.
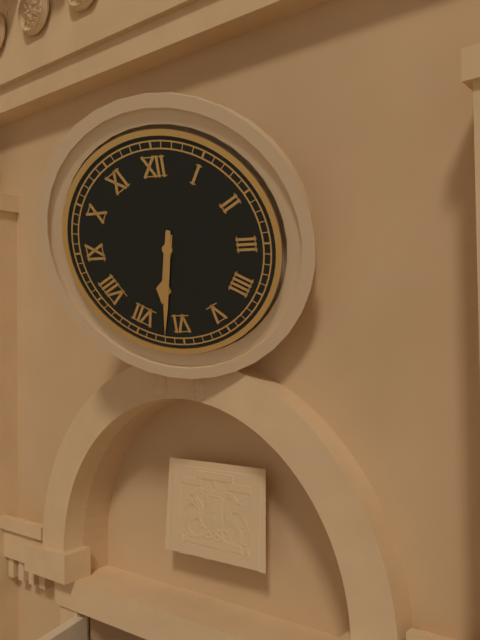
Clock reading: **6:32**
